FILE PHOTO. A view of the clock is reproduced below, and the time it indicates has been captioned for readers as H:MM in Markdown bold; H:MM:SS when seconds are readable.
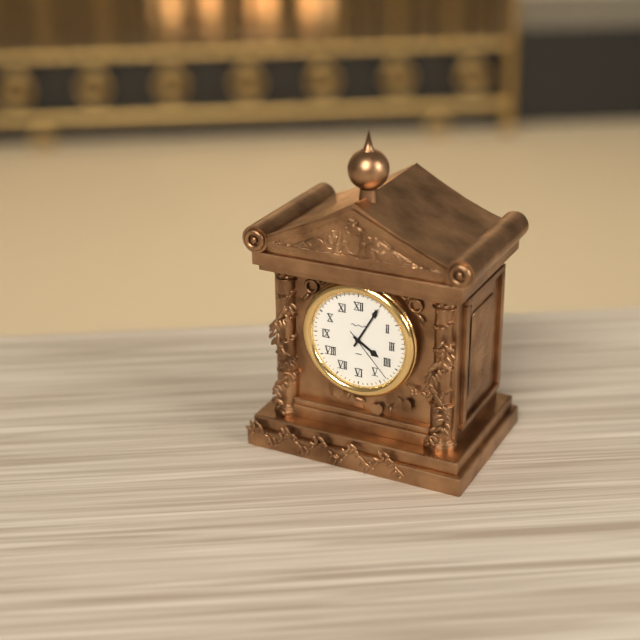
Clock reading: **4:05:23**
